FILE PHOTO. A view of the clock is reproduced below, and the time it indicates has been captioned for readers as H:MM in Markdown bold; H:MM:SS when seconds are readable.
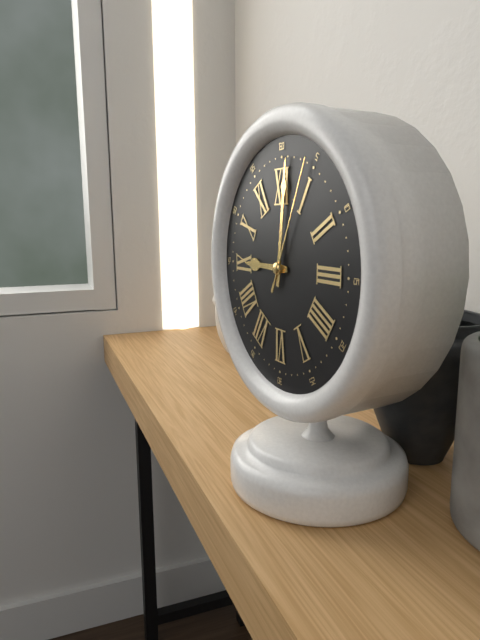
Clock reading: **9:01:04**
